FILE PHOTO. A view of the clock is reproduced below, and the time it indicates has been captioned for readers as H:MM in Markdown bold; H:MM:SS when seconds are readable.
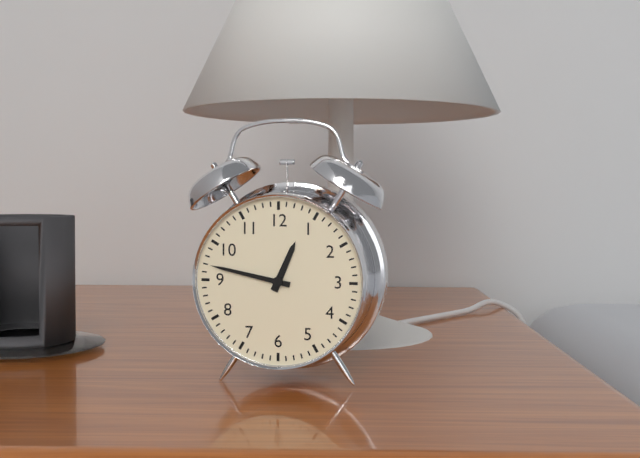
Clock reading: **12:47**
